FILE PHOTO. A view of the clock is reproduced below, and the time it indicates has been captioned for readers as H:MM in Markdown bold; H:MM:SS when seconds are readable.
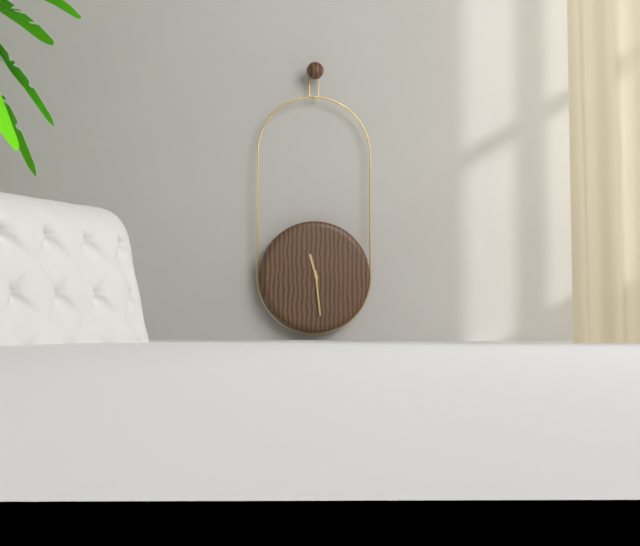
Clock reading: **11:29**
